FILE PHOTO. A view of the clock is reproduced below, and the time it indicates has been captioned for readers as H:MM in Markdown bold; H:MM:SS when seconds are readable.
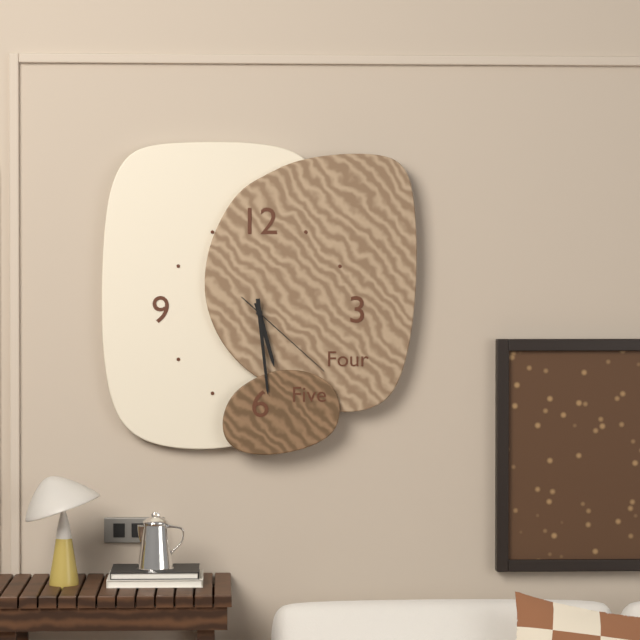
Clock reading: **5:29:22**
